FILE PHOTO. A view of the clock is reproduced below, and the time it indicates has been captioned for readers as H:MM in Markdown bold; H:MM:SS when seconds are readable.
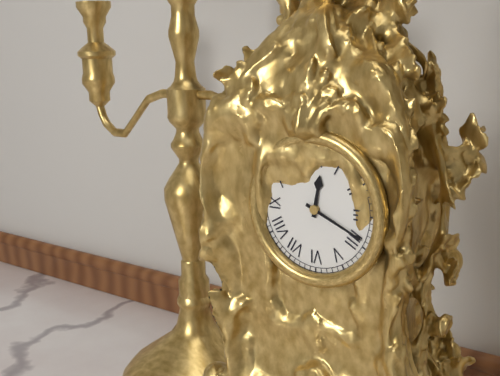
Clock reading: **12:19**
